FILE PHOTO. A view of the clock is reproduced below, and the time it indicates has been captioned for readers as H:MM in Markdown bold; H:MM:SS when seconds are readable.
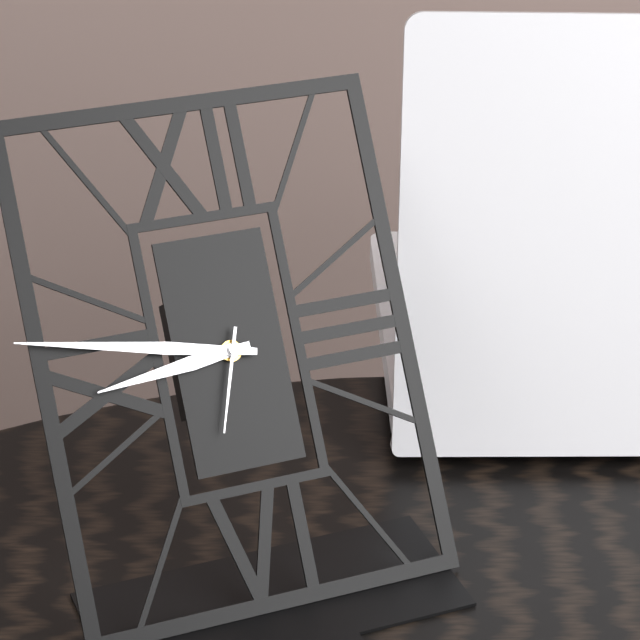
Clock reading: **8:47:33**
